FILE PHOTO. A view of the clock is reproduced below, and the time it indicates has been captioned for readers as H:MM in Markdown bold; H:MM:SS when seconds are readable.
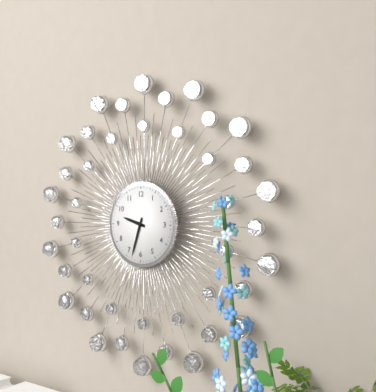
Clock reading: **9:33**
